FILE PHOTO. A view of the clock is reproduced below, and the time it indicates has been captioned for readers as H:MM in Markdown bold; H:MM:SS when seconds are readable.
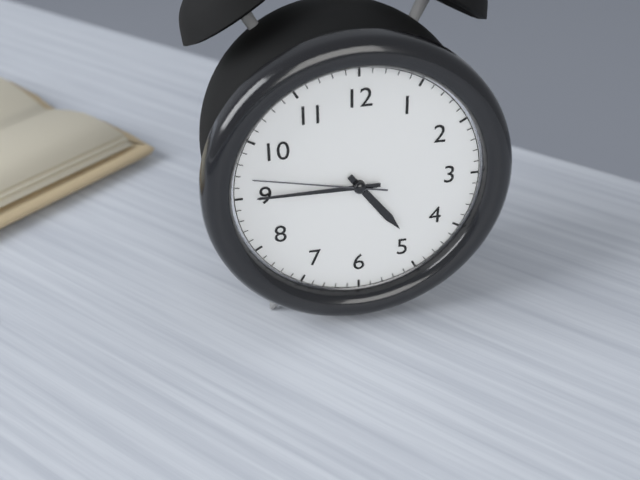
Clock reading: **4:45:47**
